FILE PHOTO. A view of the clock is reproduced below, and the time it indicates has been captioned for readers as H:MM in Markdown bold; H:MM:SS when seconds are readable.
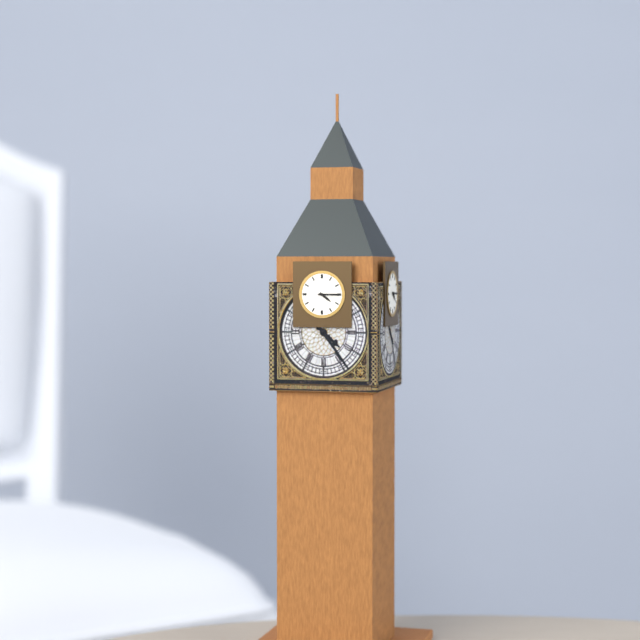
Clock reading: **4:15**
